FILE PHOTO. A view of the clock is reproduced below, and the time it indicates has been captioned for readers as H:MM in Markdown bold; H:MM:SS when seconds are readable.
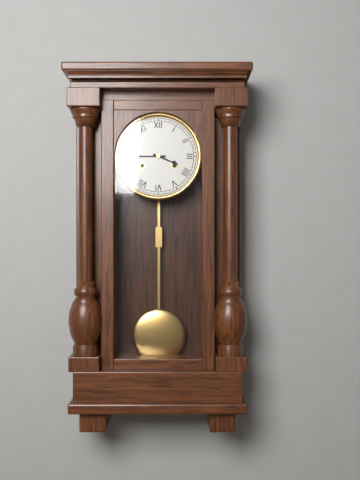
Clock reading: **3:45**
